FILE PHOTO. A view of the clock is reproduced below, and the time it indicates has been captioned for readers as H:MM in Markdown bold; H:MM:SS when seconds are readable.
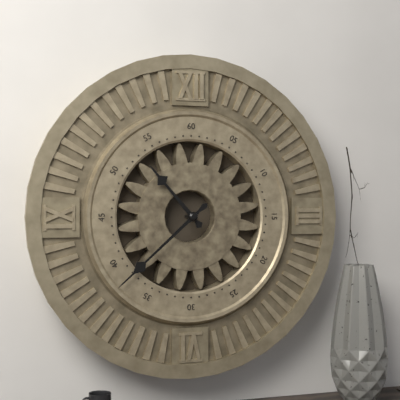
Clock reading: **10:38**
